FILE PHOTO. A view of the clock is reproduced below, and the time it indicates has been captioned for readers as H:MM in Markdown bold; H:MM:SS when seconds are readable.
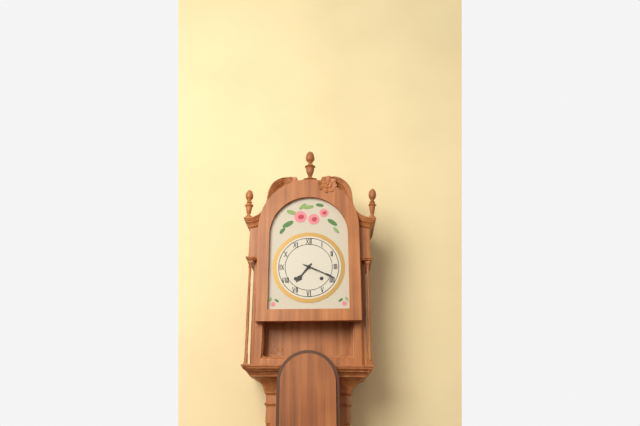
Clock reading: **7:19**
